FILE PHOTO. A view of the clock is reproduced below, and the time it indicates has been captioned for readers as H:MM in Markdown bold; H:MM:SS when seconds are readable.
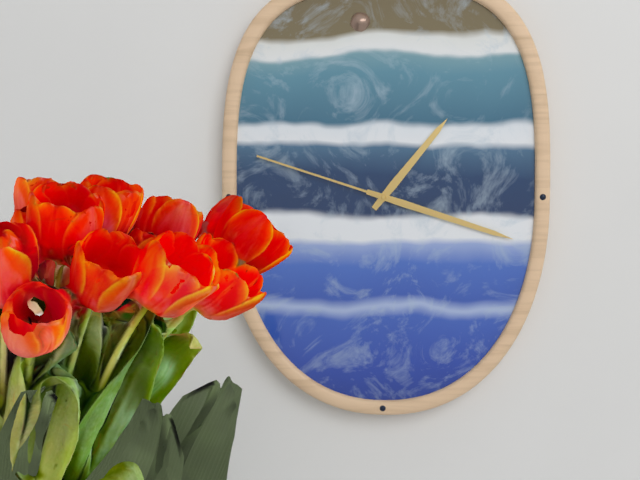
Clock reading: **1:18:48**
